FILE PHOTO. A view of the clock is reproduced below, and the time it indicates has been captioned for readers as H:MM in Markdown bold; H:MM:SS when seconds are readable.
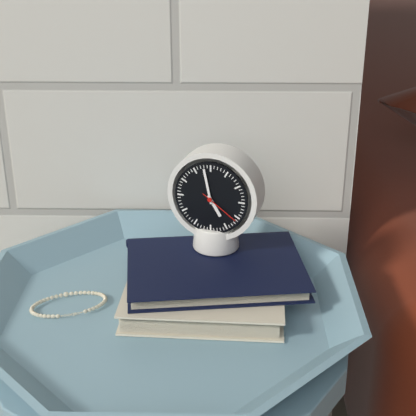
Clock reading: **4:58**
